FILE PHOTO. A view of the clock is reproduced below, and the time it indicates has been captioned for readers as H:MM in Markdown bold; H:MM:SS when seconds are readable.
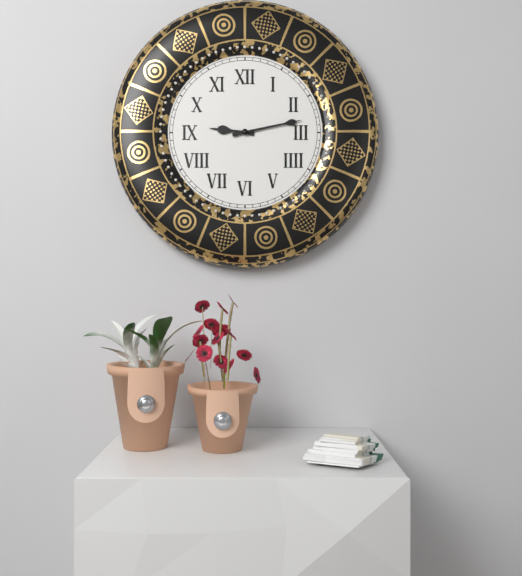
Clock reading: **9:13**
